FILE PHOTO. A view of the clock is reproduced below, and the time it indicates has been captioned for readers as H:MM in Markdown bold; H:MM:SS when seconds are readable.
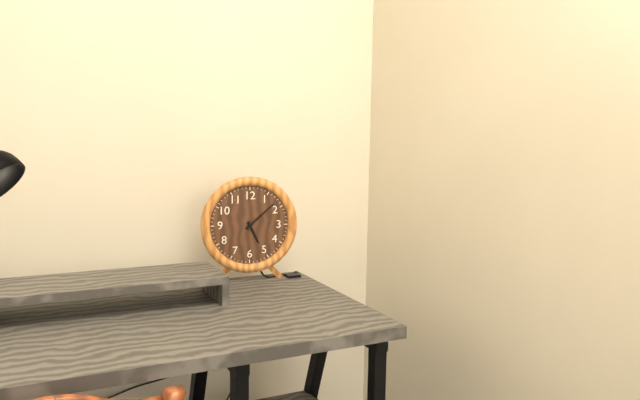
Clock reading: **5:08**
